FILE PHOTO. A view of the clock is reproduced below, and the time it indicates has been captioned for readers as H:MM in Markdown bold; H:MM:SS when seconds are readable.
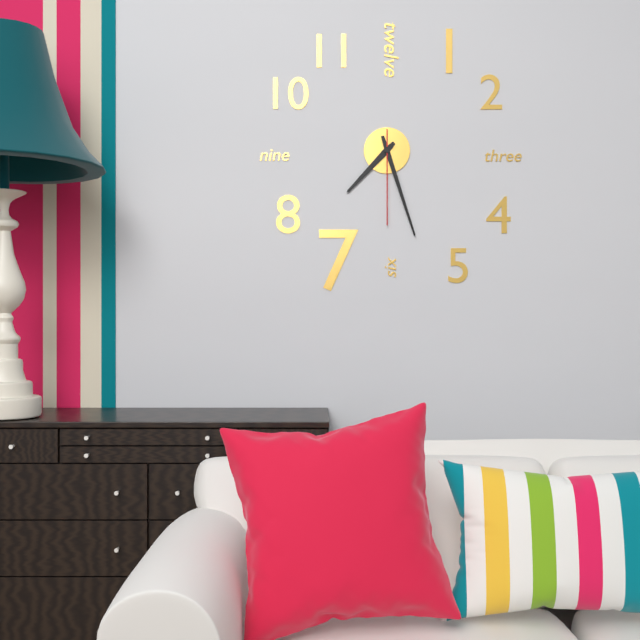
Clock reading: **7:27:30**
